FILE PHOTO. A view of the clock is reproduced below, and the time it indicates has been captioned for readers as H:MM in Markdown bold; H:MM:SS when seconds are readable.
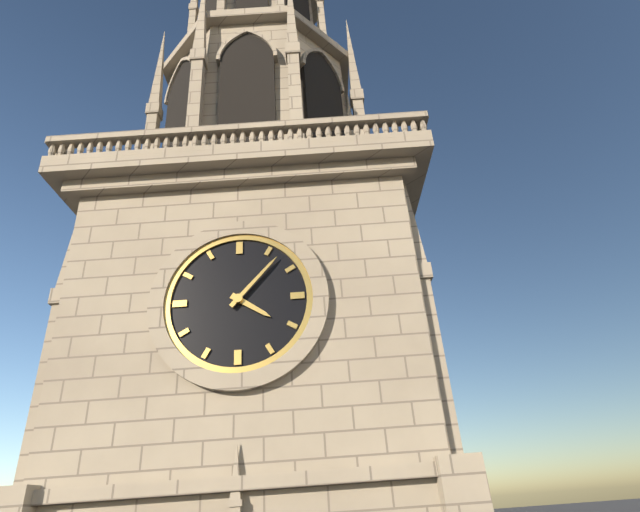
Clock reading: **4:07**
